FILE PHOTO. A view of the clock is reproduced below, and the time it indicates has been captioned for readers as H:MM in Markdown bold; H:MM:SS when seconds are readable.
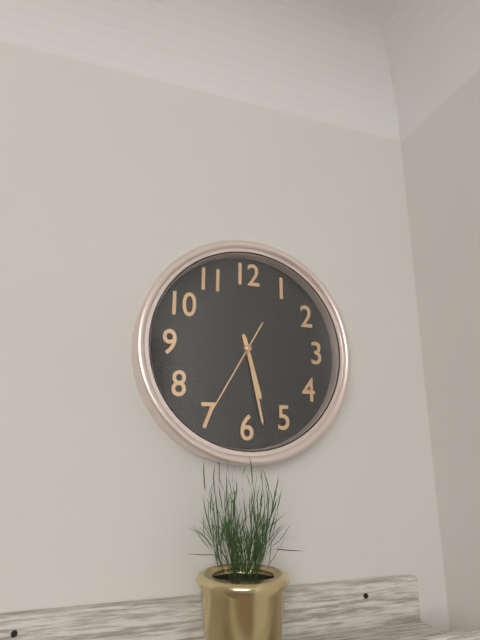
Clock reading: **5:28:35**
